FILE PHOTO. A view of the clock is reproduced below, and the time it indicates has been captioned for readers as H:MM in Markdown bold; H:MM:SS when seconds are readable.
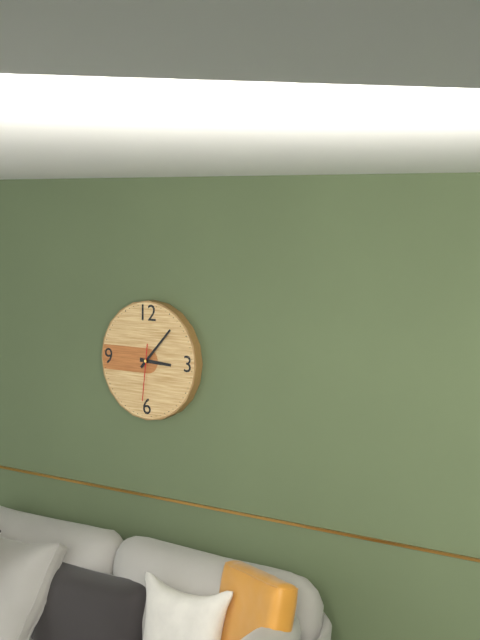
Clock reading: **3:07:31**
